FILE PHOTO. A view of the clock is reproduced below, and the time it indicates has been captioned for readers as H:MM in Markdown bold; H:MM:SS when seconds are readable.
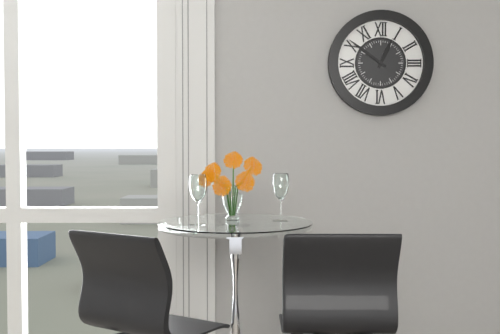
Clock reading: **12:51**
